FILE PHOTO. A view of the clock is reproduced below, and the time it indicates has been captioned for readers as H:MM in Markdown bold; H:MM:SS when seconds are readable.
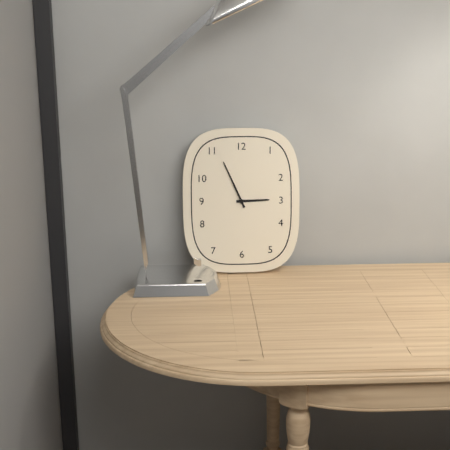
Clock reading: **2:56**
